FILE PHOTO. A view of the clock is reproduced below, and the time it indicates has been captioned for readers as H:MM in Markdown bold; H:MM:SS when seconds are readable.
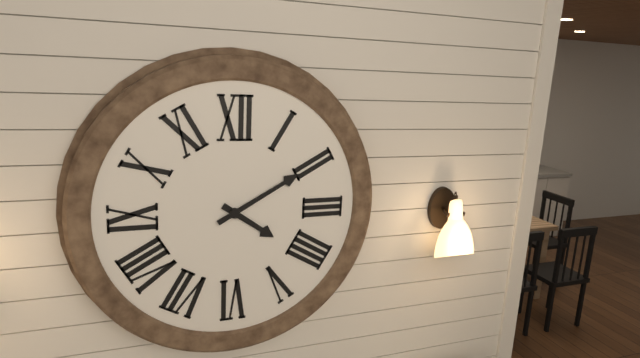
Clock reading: **4:10**
